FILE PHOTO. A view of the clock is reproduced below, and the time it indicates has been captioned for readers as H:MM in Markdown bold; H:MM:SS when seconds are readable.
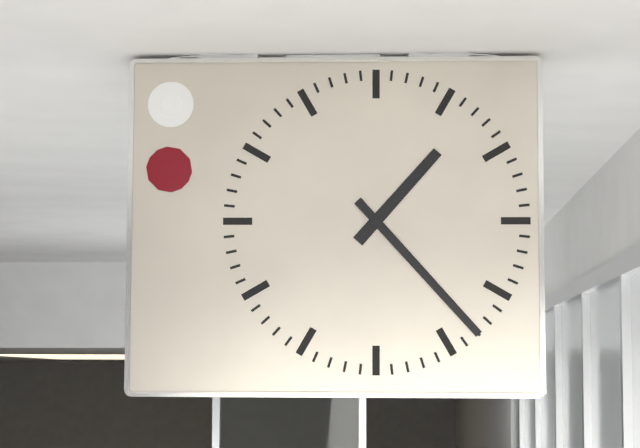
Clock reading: **1:23**
